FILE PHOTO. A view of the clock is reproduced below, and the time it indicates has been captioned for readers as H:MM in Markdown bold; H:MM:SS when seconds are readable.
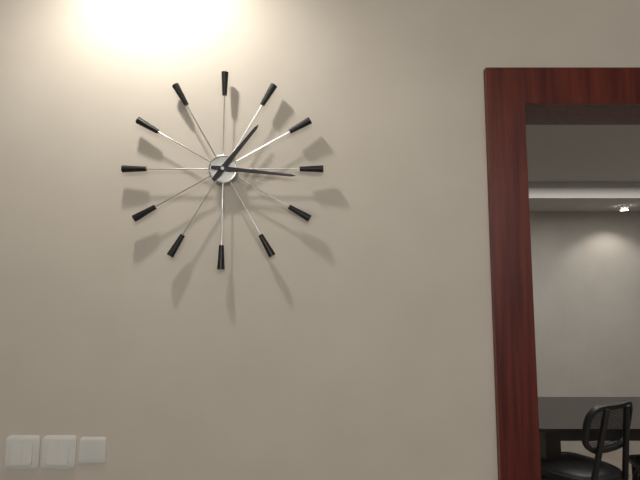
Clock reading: **1:16**
